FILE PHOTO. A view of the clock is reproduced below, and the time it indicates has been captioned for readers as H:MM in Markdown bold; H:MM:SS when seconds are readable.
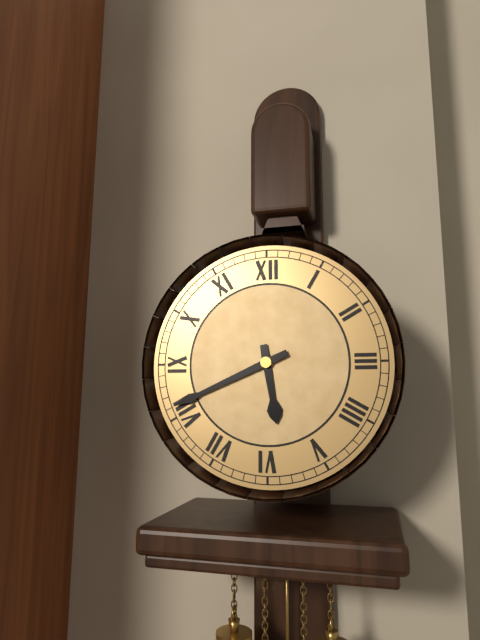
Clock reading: **5:41**
